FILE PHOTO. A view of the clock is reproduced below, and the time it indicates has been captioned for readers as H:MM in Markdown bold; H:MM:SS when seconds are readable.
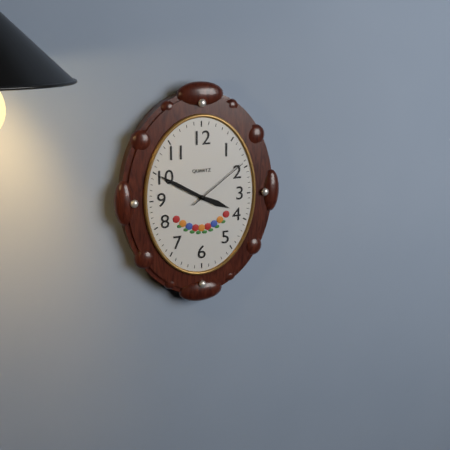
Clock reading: **3:50:09**
